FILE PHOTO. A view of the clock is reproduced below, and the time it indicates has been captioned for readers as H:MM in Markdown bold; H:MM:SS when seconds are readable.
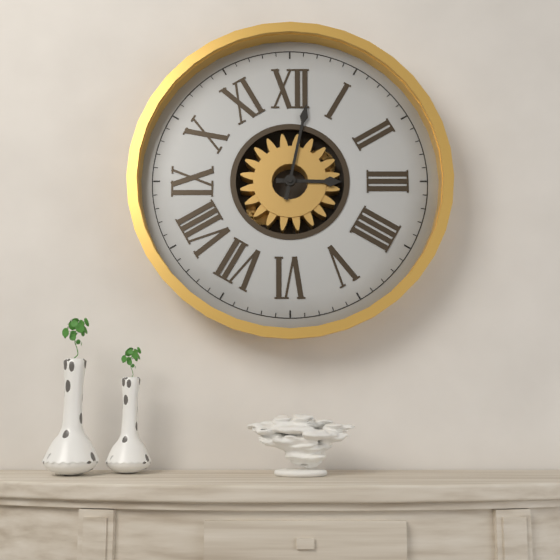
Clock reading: **3:02**
